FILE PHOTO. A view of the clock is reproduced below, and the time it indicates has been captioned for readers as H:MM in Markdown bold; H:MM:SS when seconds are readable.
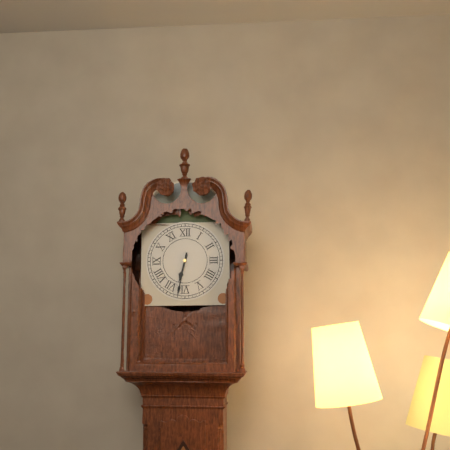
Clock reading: **6:32**
